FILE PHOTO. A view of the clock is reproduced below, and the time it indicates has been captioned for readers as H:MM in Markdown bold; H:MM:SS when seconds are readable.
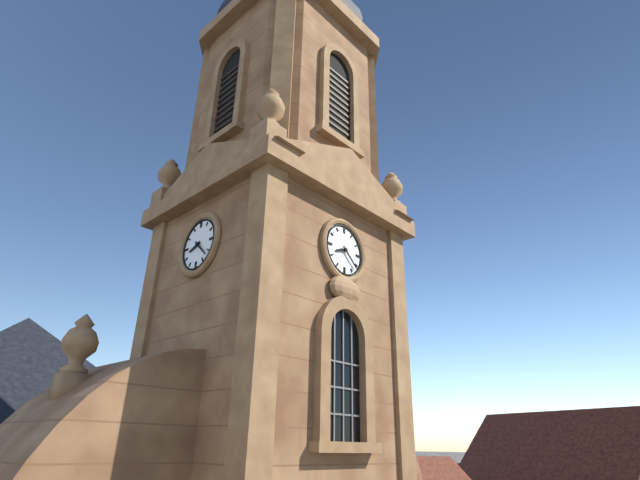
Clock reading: **8:22**
